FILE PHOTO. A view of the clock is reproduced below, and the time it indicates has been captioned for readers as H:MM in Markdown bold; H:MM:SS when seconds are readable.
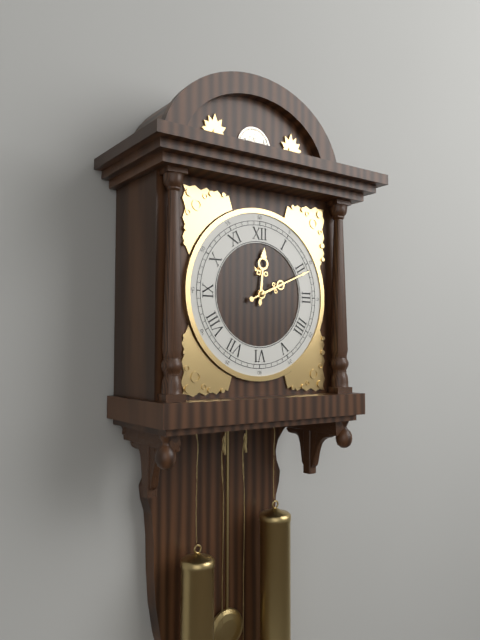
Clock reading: **12:11**
